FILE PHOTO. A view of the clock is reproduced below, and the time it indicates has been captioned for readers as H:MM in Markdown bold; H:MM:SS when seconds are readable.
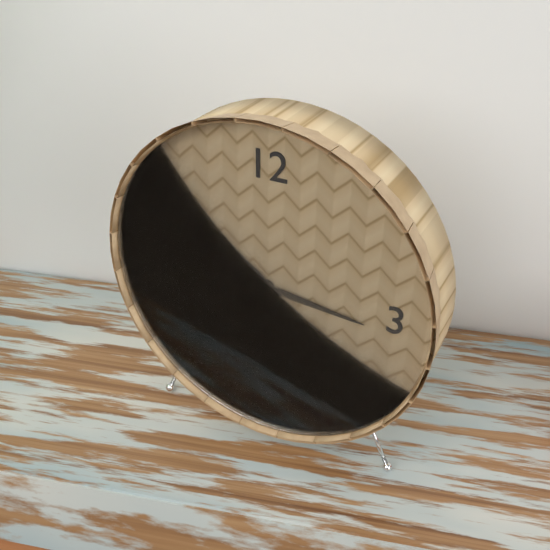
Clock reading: **10:16**
